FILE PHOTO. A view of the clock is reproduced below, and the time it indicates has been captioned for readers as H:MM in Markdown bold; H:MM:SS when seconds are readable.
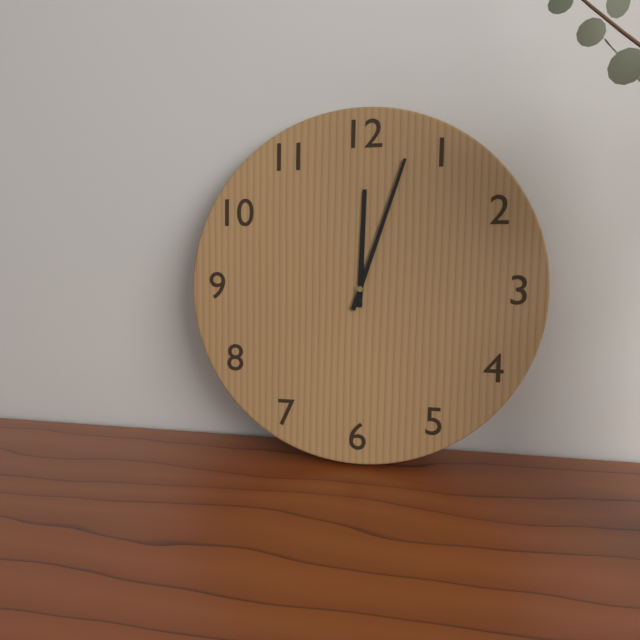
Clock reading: **12:03**
